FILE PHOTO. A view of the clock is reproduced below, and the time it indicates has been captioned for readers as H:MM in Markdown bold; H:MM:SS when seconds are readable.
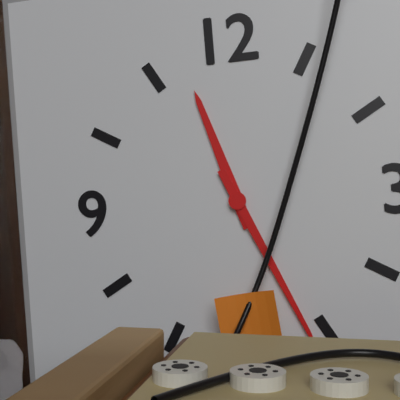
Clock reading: **11:26**
